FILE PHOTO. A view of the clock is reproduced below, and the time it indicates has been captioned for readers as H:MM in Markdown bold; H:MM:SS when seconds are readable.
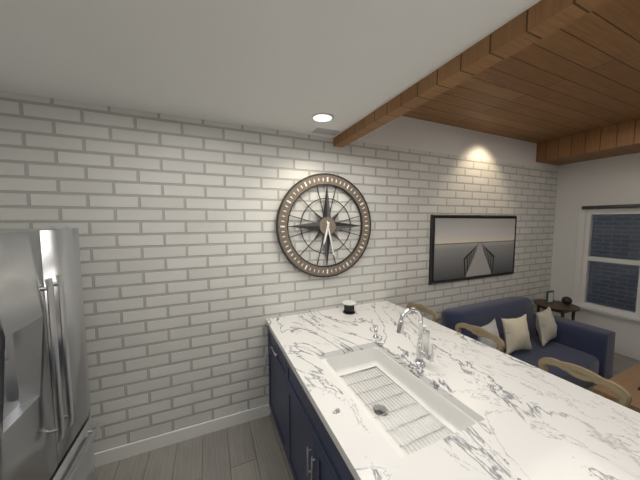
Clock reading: **6:28**
